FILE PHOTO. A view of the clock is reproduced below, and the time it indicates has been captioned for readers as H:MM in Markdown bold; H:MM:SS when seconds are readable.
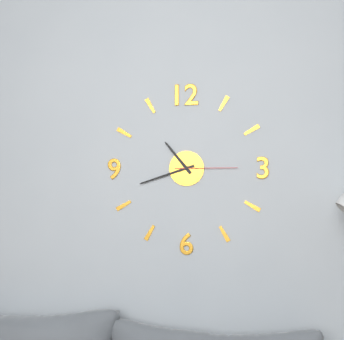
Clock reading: **10:42:15**
